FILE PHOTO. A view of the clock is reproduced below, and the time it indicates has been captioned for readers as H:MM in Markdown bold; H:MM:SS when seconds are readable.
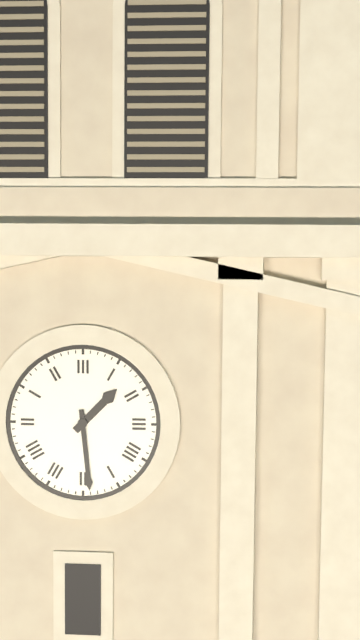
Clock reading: **1:29**
